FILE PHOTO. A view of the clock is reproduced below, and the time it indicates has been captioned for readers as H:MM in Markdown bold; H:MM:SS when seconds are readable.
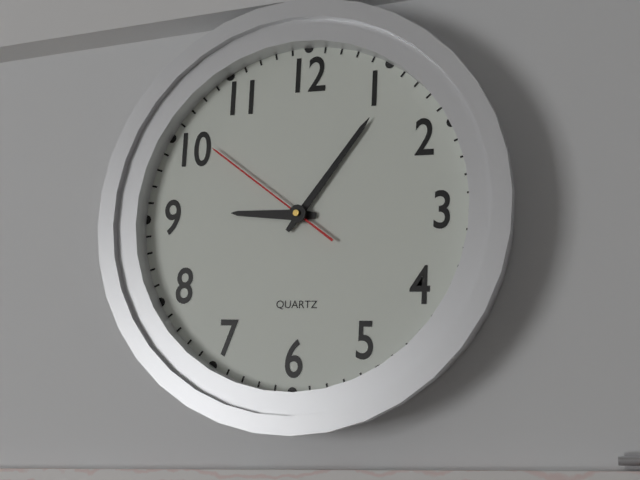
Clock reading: **9:06:51**
